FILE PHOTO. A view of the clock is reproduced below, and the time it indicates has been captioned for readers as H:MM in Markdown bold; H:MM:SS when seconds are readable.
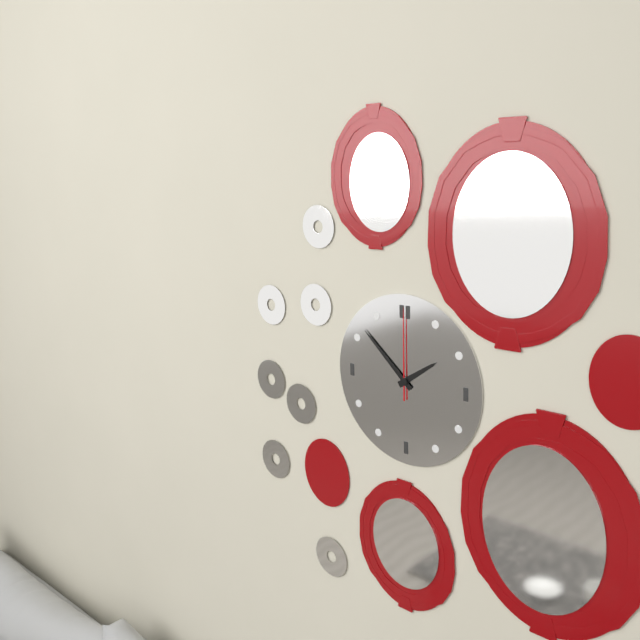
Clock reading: **1:52:00**
